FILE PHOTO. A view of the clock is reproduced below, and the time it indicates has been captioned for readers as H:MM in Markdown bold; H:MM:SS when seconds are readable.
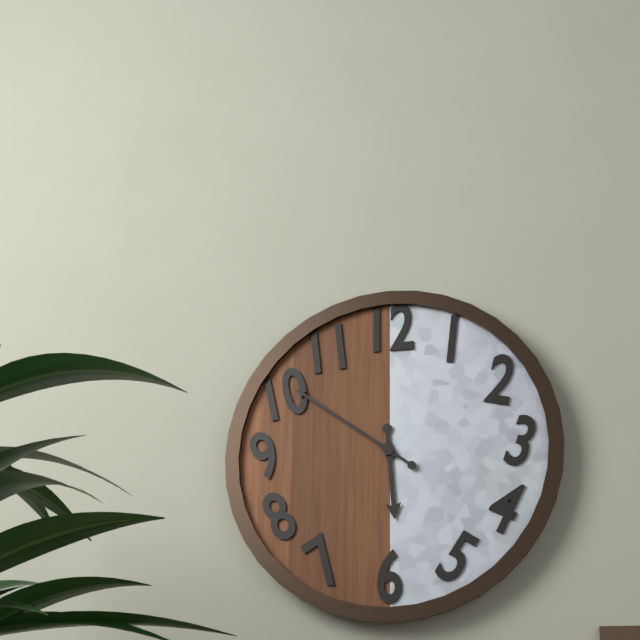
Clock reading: **5:51**
